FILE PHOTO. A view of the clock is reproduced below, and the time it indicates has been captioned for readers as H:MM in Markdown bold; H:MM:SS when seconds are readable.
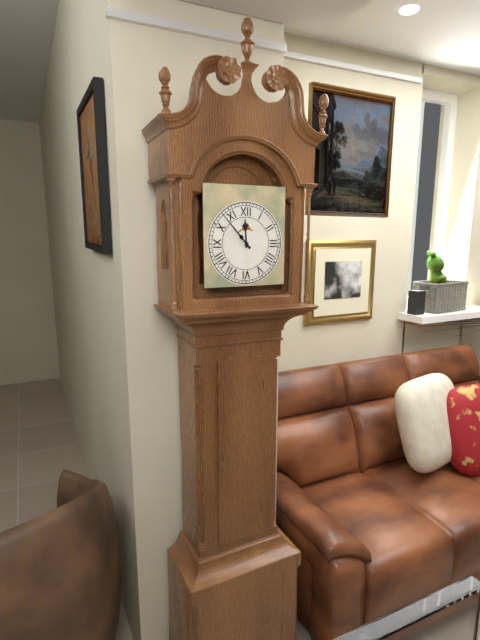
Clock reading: **11:53**
